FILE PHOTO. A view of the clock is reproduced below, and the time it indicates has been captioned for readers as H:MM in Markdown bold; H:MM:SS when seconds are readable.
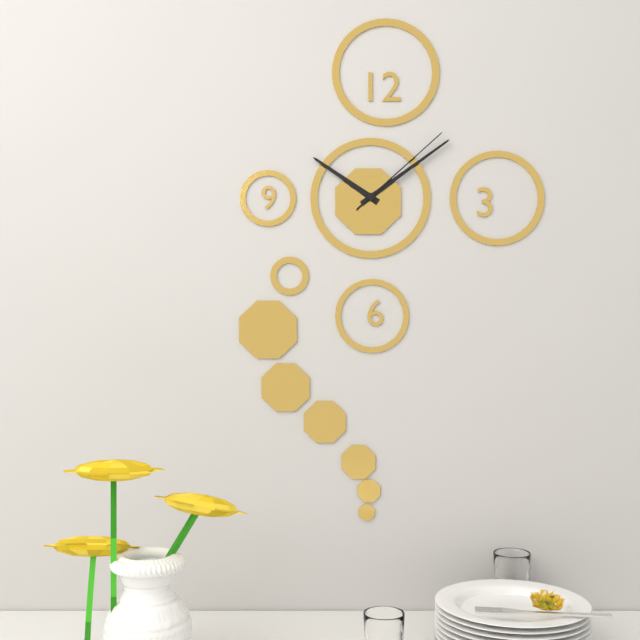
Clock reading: **10:09:08**
